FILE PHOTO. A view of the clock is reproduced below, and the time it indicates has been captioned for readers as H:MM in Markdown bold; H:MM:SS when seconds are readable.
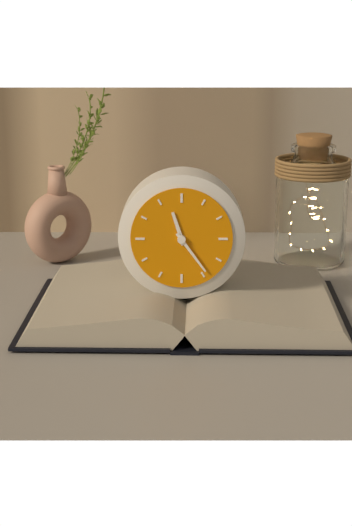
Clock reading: **11:24**
